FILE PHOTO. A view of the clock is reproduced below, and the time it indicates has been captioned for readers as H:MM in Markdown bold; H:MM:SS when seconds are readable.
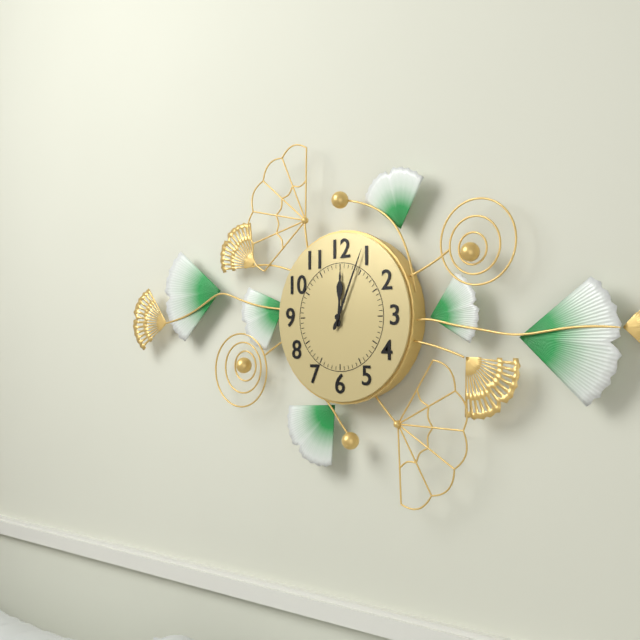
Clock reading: **12:04**
